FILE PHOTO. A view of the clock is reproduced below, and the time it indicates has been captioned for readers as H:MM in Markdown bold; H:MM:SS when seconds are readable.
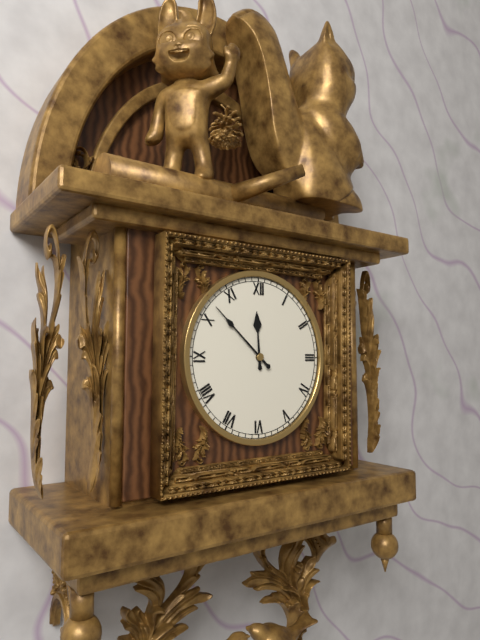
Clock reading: **11:52**
